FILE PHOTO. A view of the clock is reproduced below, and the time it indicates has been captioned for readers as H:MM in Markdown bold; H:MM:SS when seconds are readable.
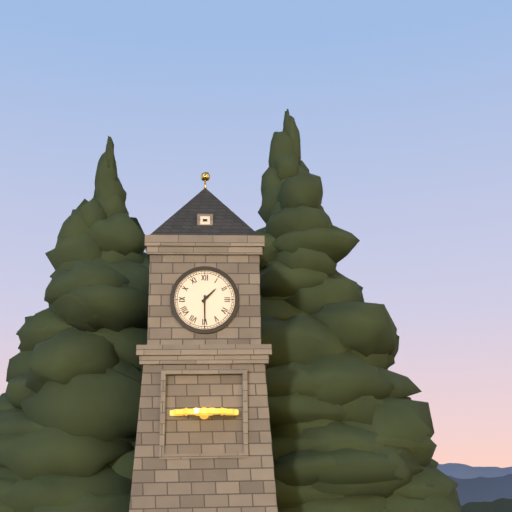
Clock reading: **1:30**
